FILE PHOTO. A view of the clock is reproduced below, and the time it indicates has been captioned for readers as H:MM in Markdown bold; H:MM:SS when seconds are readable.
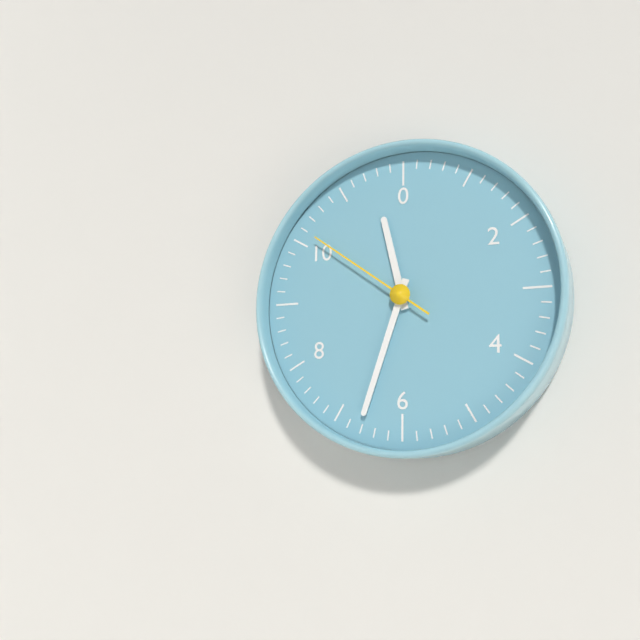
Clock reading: **11:33:51**
